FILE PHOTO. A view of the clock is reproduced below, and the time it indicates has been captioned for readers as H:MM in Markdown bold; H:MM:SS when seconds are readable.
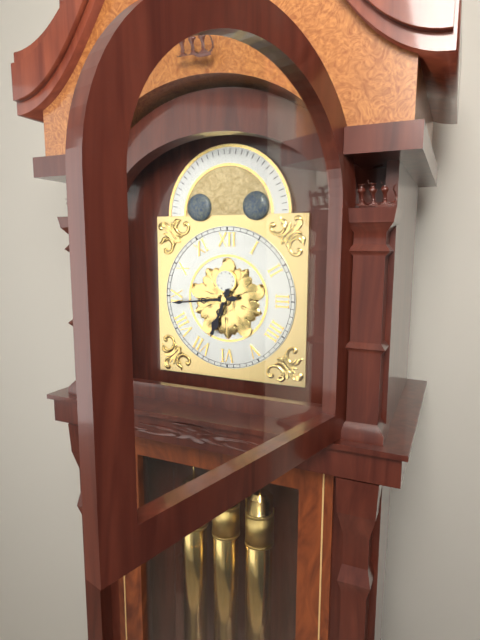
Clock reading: **6:44**
